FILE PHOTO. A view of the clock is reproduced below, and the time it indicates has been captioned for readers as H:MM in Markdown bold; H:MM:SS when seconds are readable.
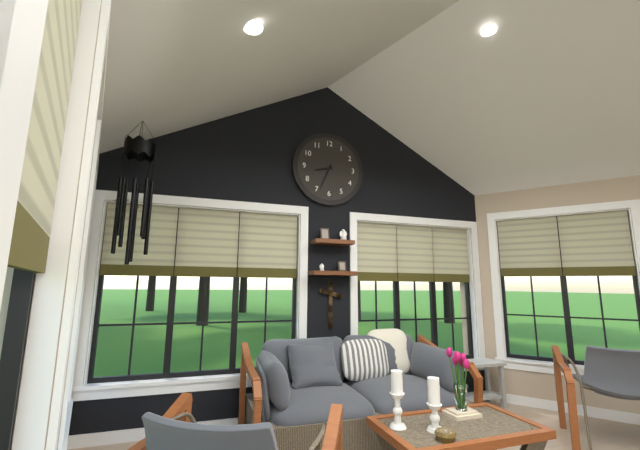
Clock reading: **8:34**
